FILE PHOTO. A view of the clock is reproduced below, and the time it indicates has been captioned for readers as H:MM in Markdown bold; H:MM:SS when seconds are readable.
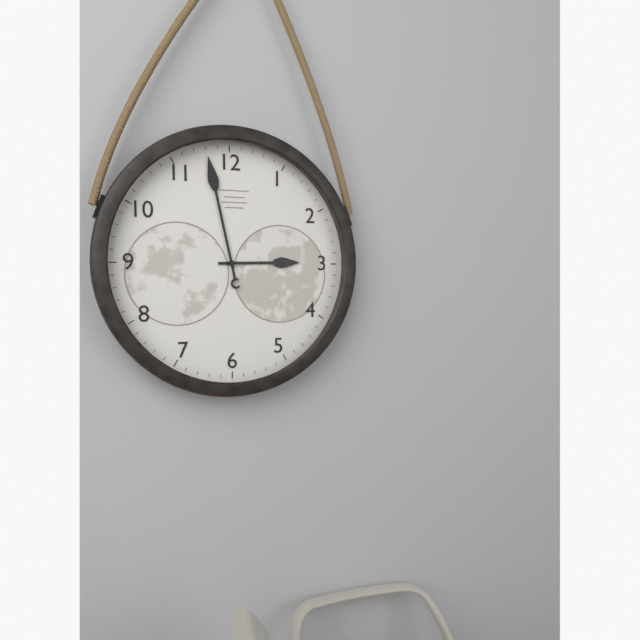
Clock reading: **2:58**
